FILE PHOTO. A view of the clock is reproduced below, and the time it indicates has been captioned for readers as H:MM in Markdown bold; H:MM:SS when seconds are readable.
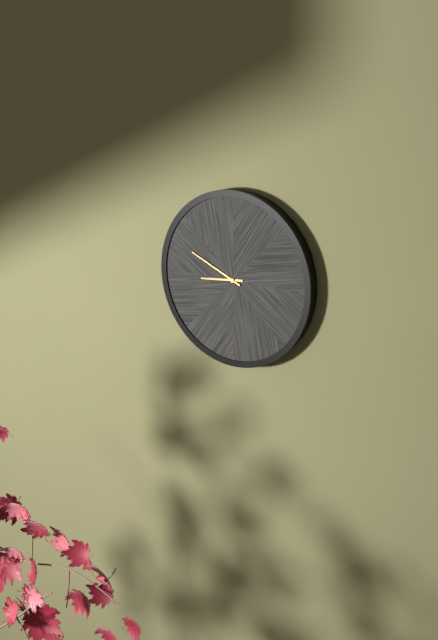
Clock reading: **8:49**
